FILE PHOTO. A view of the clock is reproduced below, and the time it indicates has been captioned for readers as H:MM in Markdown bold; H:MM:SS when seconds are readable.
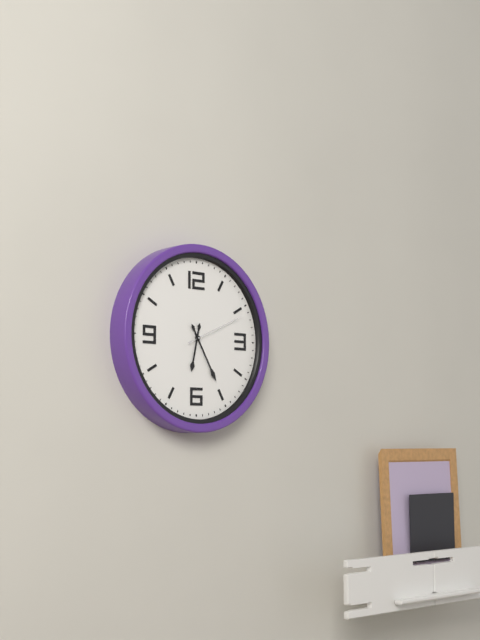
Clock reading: **6:25:11**
